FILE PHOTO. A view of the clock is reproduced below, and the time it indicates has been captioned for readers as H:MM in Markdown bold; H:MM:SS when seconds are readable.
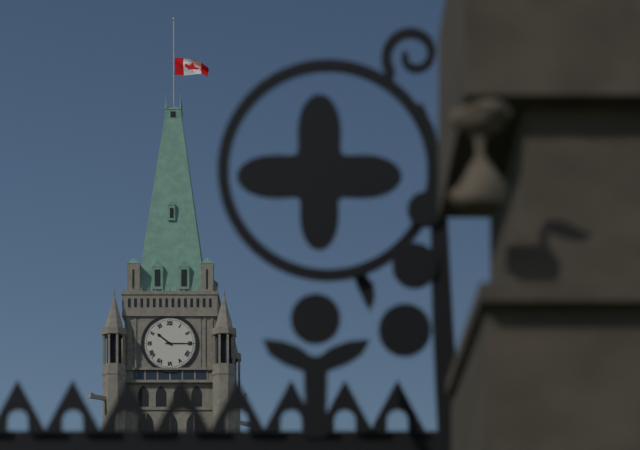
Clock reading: **10:15**
